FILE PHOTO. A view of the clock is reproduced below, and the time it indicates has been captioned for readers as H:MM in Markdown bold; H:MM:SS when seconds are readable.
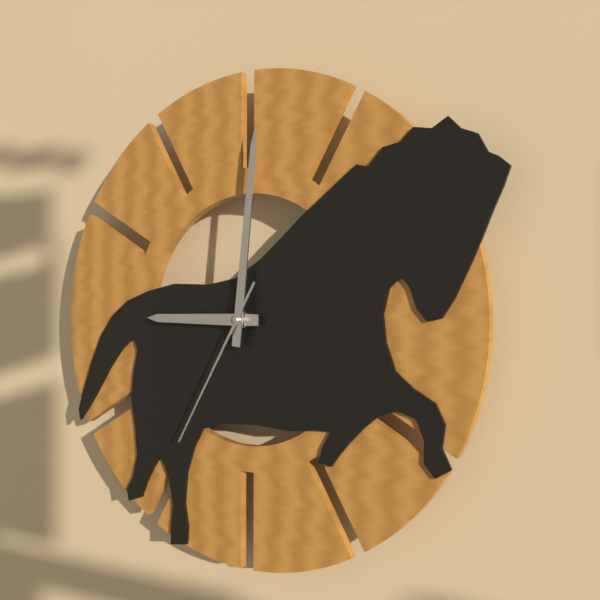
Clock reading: **9:01:35**
